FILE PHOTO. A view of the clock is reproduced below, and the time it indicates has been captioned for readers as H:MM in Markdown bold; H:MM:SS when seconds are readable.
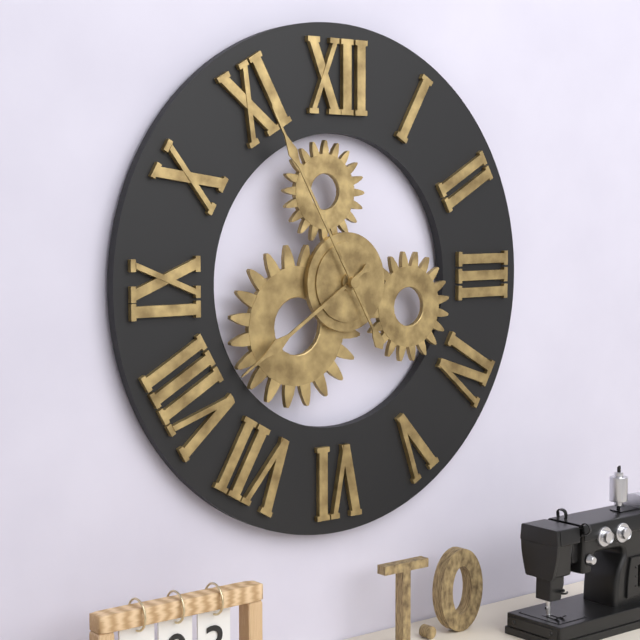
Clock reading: **7:55**
